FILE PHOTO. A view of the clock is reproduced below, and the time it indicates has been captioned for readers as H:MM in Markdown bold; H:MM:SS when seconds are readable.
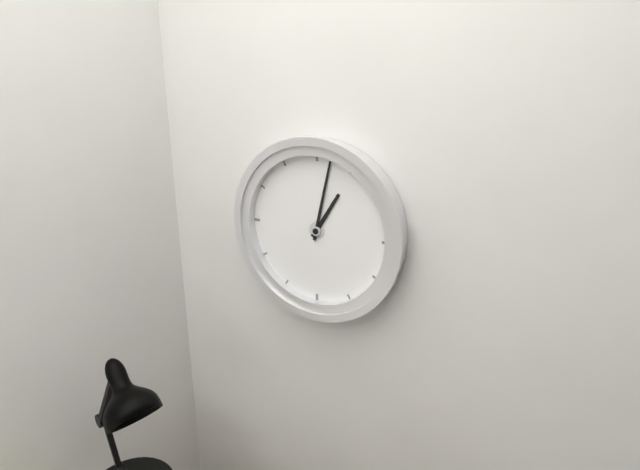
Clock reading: **1:02**
